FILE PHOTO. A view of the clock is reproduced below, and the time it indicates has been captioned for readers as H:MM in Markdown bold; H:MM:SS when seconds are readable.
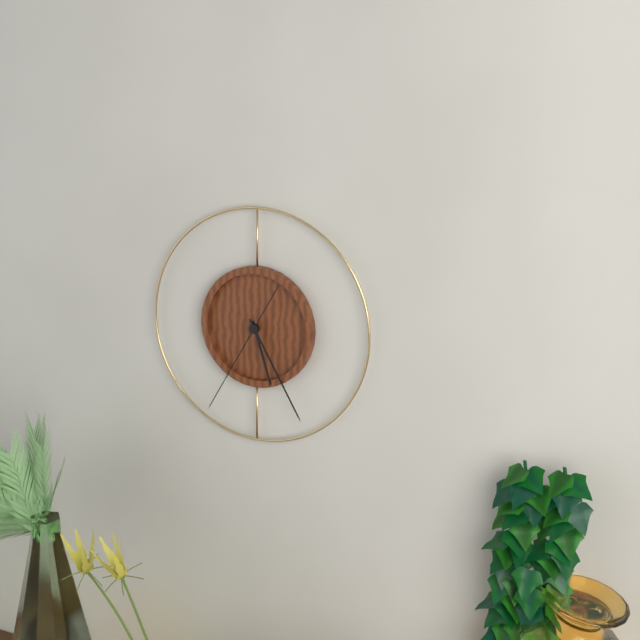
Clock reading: **5:25:35**
